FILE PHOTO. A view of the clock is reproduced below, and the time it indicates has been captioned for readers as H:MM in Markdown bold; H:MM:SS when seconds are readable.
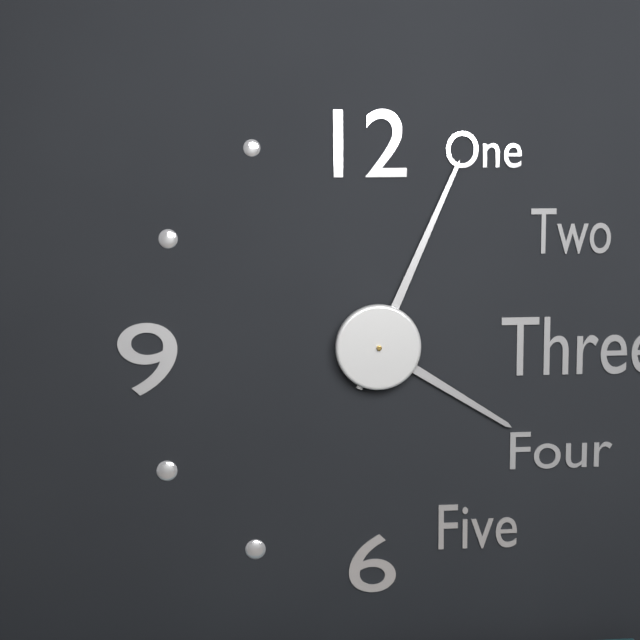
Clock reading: **4:04**
